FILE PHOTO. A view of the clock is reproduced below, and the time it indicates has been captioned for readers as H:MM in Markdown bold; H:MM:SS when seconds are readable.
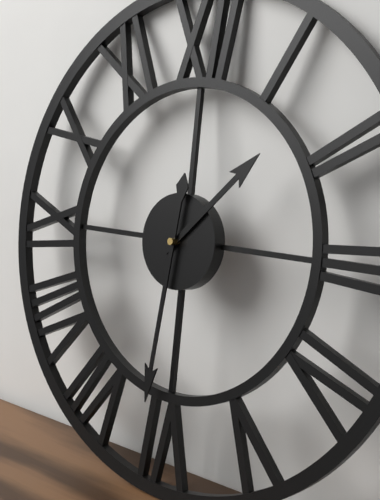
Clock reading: **1:31**
